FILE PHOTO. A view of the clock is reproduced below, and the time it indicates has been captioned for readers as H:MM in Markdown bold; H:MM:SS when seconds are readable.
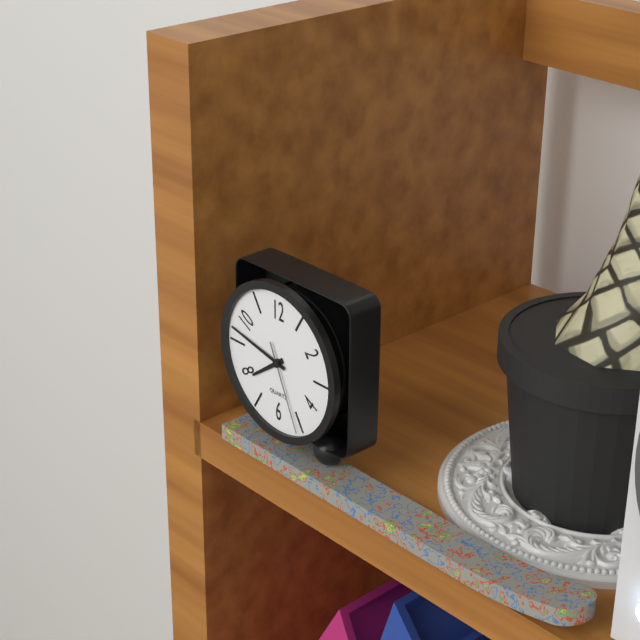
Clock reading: **7:47:26**
